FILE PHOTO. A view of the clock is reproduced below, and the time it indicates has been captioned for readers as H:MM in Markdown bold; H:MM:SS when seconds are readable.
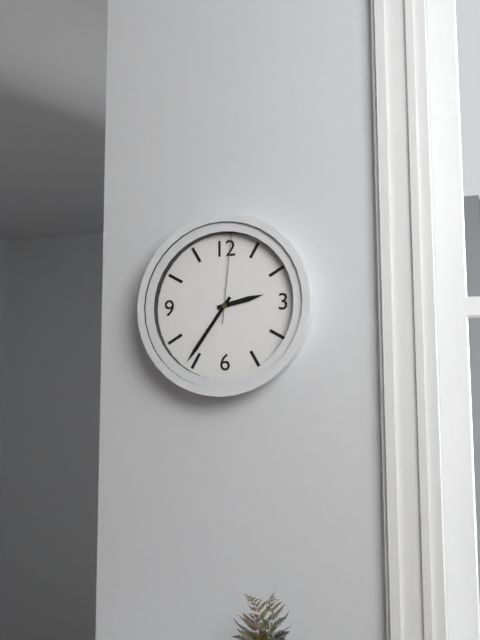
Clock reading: **2:36:01**
